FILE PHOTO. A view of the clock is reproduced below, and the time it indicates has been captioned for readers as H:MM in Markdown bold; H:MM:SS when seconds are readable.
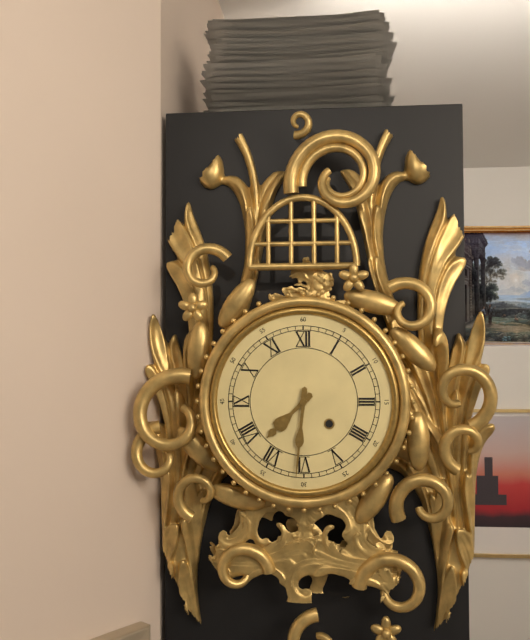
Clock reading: **7:31**
